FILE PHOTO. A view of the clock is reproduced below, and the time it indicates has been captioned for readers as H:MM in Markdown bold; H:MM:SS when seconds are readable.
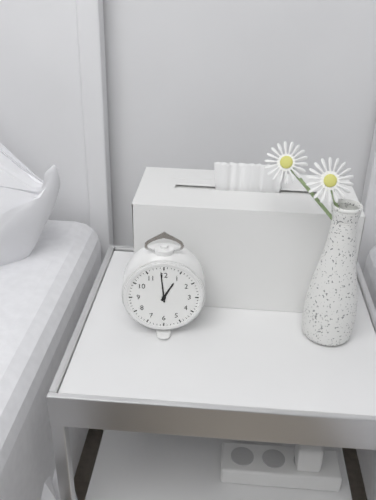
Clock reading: **12:59**
